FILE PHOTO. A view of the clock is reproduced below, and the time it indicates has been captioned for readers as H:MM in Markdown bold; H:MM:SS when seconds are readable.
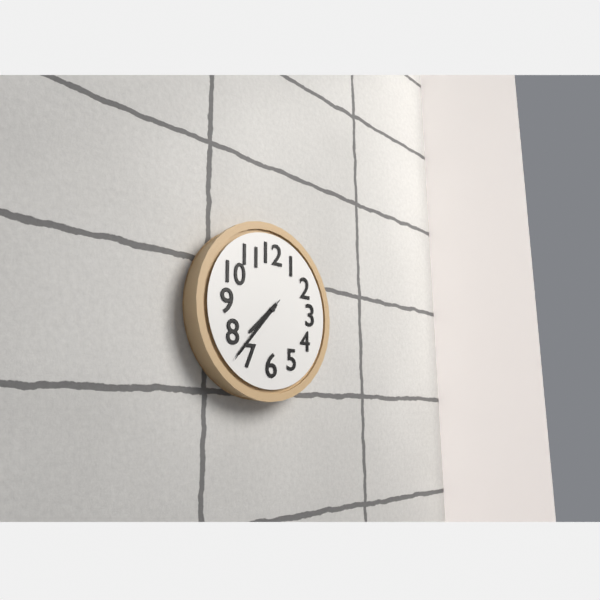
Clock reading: **7:37:37**
